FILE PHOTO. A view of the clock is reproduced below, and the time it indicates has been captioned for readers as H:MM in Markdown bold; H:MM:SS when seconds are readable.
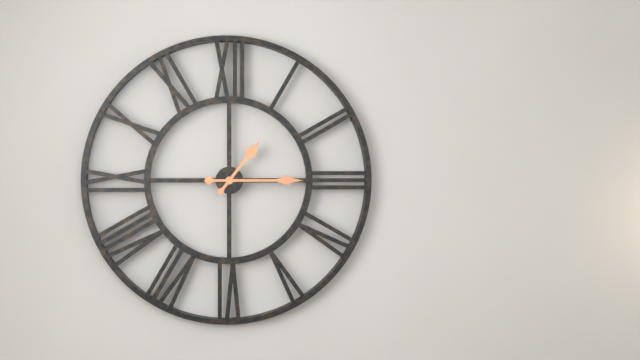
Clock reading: **1:15**
